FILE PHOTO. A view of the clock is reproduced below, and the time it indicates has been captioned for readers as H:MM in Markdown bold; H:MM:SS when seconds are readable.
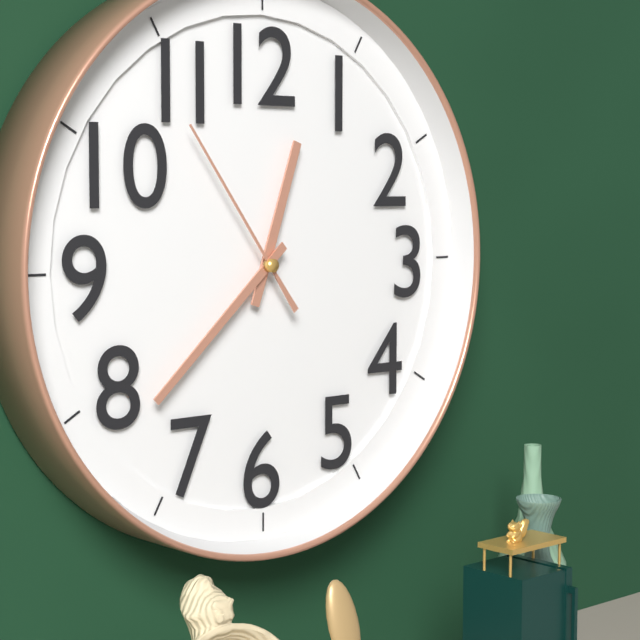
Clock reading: **12:38:54**
